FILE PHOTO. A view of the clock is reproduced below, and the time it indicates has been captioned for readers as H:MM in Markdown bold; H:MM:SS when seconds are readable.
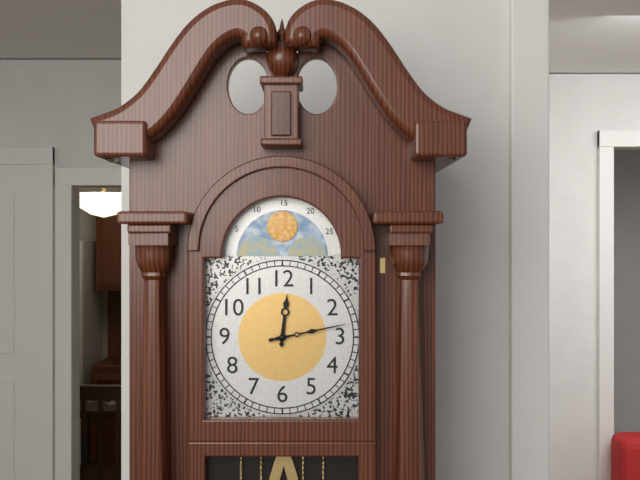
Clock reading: **12:13**
